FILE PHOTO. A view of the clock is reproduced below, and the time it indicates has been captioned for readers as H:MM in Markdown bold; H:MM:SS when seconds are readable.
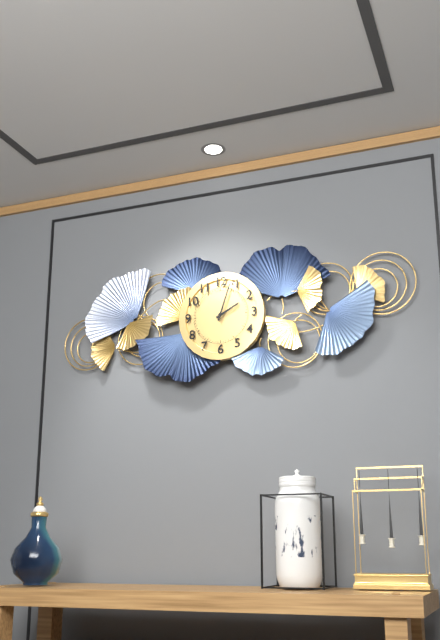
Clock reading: **2:03**
